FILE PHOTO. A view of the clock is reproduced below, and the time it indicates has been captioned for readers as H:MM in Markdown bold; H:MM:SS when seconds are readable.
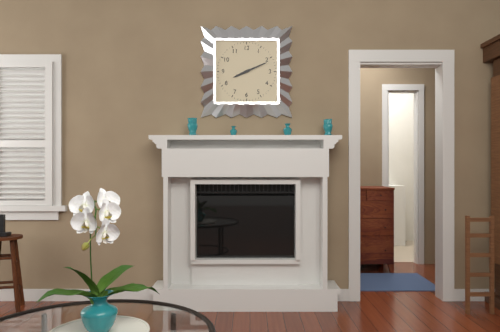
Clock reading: **8:11**
